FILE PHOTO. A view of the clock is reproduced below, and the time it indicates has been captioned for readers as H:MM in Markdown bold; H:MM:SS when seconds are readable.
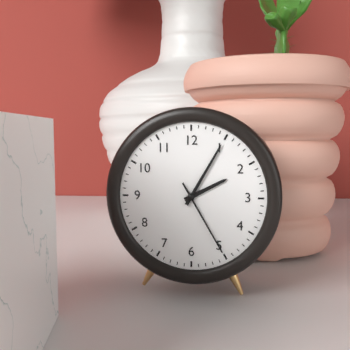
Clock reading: **2:05:25**
